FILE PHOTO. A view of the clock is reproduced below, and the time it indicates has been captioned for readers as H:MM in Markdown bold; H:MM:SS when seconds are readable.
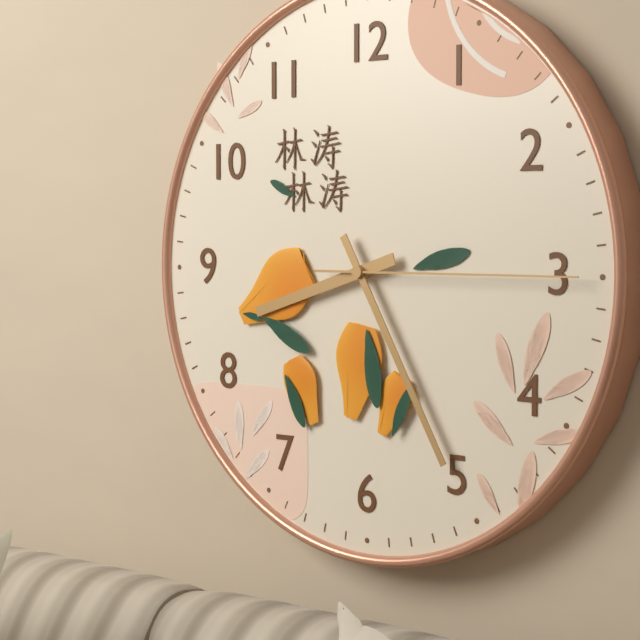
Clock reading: **8:25:15**
